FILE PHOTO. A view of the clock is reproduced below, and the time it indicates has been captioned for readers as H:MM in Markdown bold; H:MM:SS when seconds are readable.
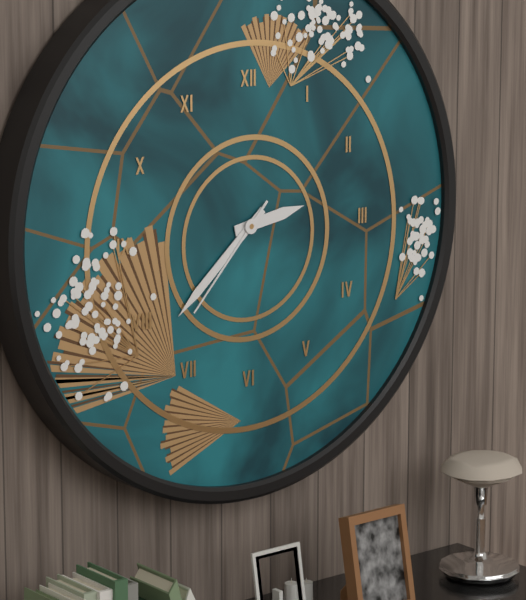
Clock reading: **2:38:37**
